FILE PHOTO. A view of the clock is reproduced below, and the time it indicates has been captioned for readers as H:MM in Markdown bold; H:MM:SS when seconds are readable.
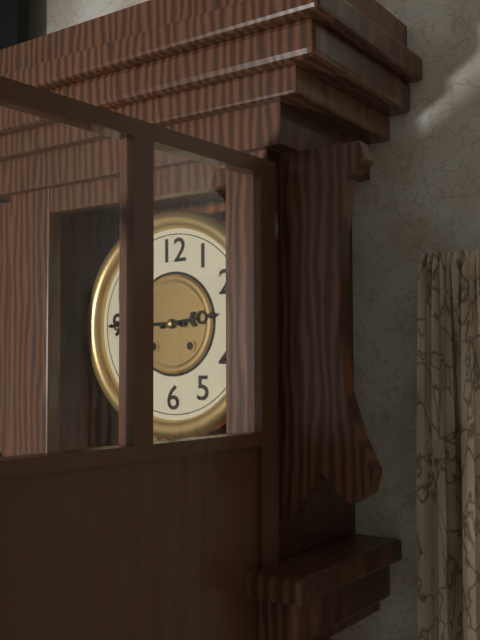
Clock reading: **2:45**
